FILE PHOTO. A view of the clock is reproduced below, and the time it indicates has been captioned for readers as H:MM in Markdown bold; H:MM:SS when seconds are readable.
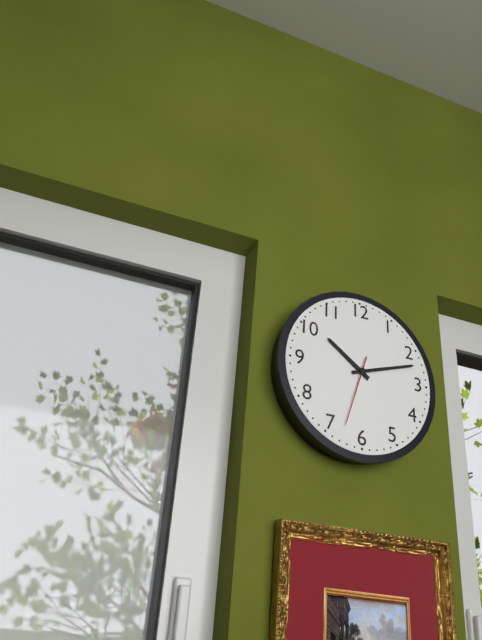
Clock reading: **10:12:33**
